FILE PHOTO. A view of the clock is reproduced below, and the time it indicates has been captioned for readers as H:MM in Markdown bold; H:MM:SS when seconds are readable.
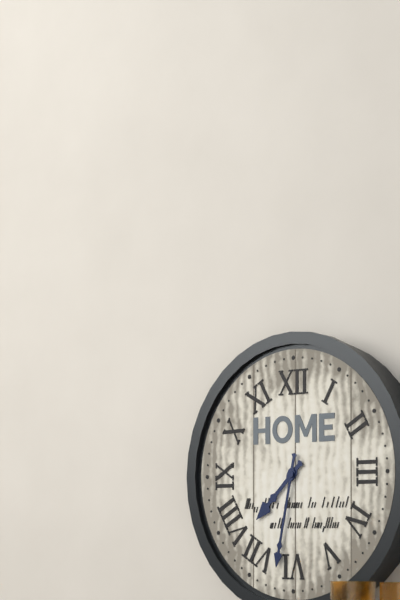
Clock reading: **7:32**
